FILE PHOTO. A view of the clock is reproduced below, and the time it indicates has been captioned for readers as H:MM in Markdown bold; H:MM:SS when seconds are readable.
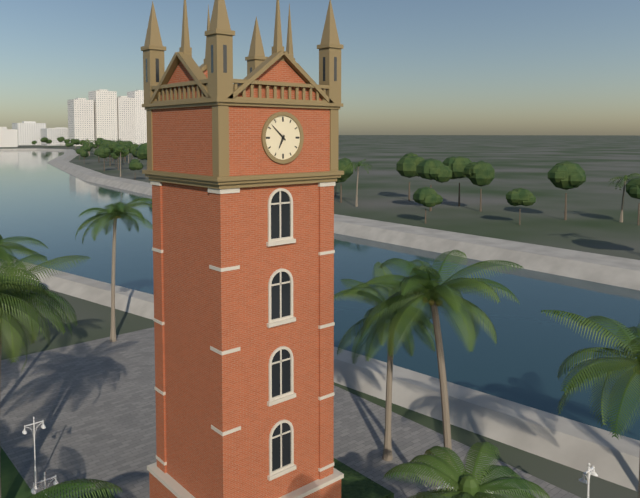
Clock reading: **6:52**
